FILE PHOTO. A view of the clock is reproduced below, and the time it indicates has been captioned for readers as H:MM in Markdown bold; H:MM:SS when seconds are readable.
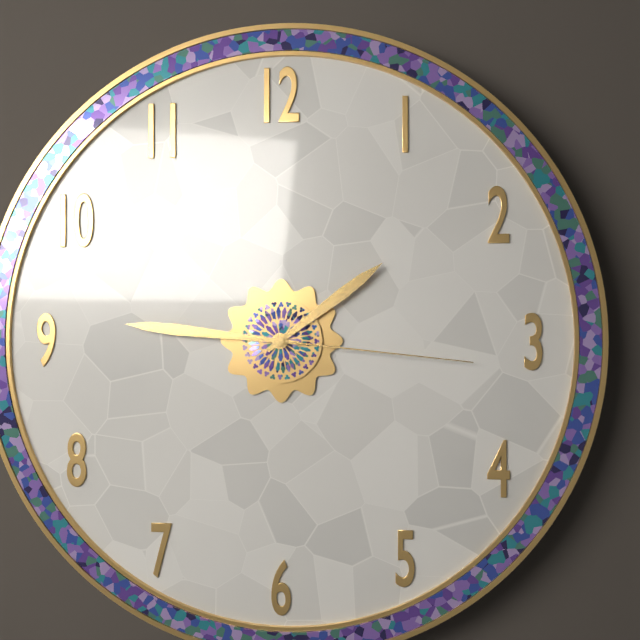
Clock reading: **1:46:16**
